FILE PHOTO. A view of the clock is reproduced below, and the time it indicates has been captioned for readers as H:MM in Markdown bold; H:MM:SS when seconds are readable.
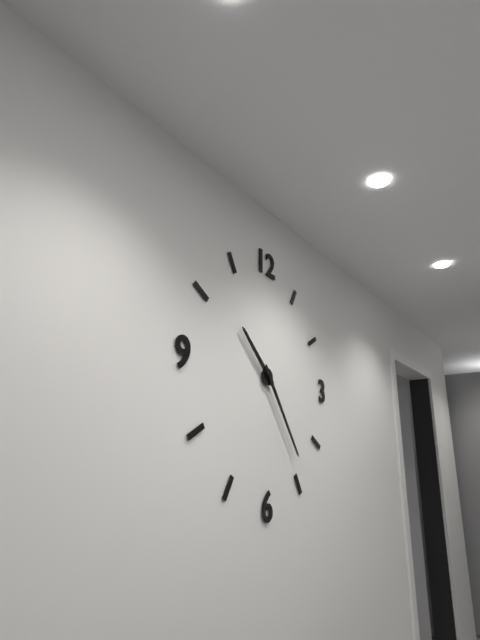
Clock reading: **10:24**
